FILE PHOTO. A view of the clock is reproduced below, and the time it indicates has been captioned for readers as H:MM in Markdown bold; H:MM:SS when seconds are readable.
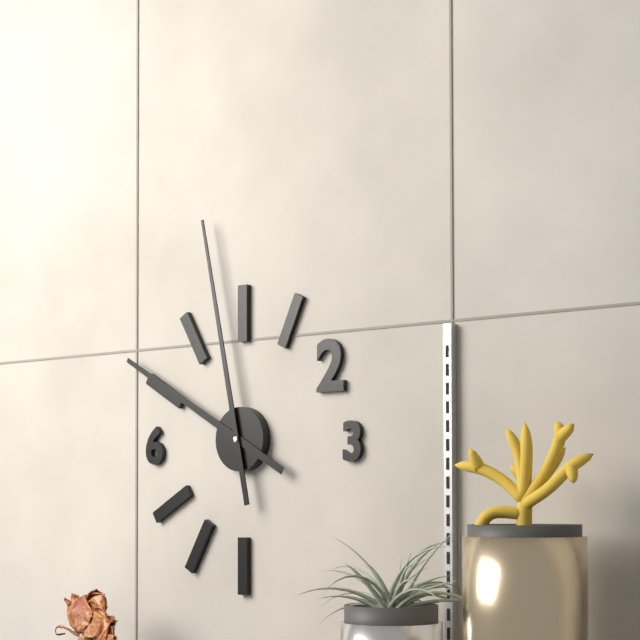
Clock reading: **9:58**
